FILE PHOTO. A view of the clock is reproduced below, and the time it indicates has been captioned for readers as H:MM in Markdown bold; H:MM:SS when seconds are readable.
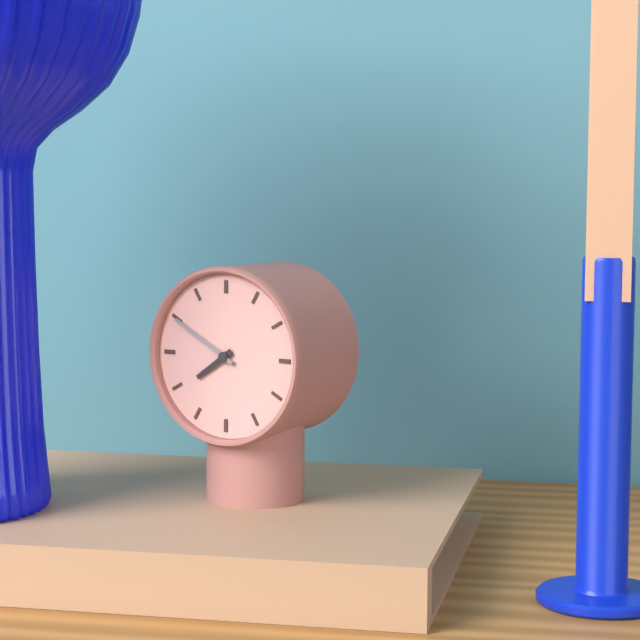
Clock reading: **7:50**
